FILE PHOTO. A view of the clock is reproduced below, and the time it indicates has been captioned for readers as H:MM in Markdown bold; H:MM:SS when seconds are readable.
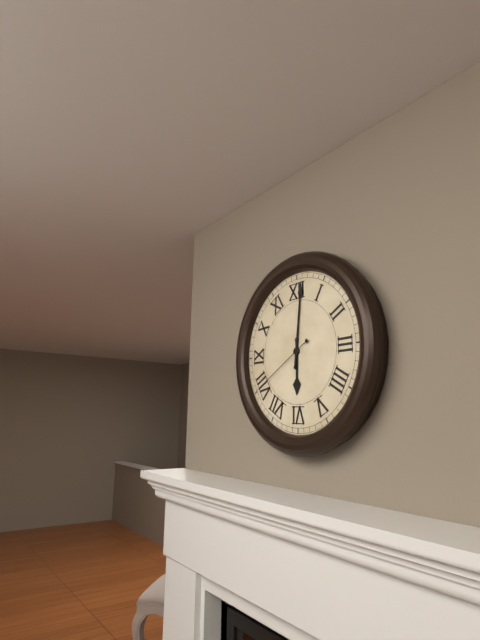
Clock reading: **6:01:40**
